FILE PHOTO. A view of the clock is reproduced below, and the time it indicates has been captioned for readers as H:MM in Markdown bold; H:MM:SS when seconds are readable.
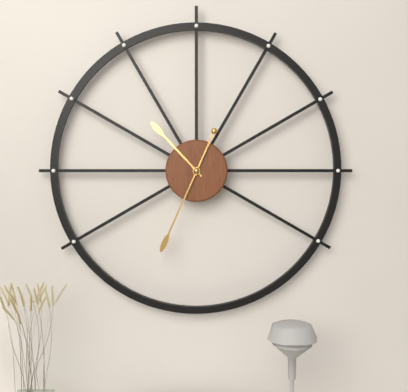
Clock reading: **10:34**
